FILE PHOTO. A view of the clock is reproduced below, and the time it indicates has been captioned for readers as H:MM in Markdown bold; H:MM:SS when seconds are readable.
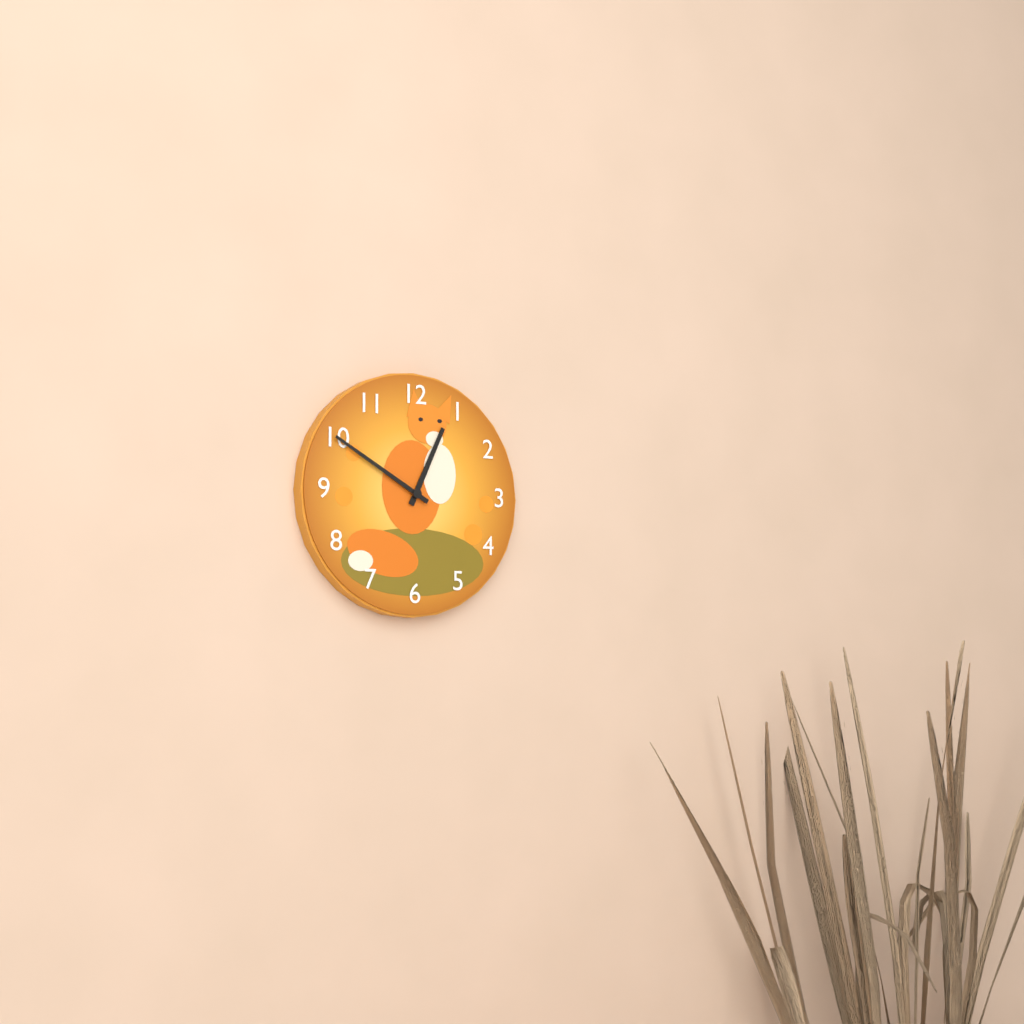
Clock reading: **12:50**
